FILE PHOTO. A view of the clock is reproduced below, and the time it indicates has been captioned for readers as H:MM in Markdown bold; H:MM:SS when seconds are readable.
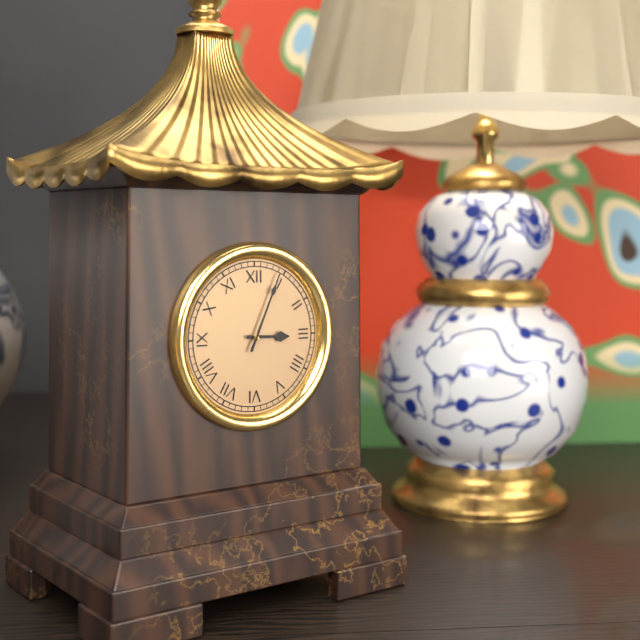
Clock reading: **3:04**
